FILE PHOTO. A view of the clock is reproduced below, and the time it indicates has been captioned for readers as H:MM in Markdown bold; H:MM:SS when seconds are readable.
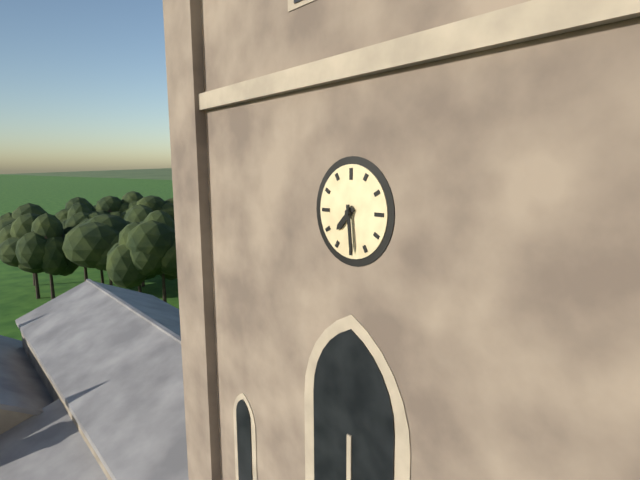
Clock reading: **7:29**
